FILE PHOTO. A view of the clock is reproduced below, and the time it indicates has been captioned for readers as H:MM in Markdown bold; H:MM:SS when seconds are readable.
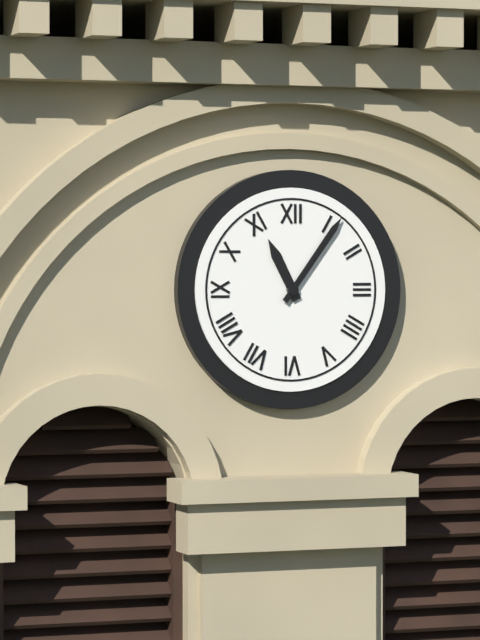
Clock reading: **11:06**
